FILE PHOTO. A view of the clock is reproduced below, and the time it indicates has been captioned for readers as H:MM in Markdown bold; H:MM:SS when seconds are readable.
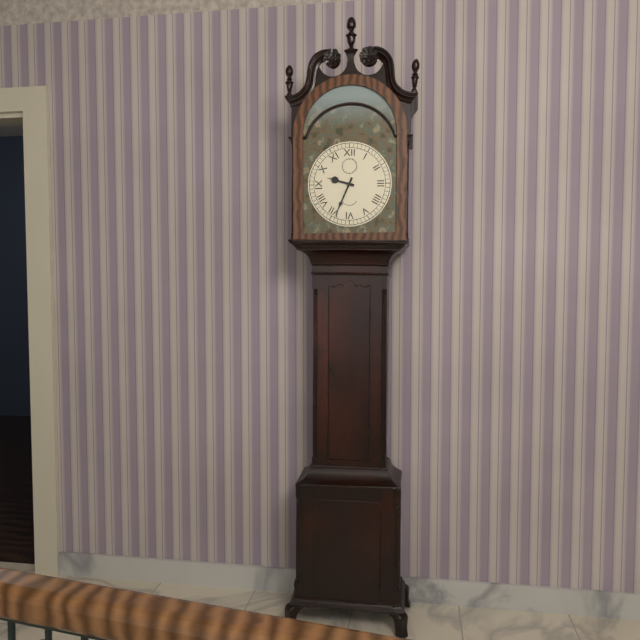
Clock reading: **9:34**
